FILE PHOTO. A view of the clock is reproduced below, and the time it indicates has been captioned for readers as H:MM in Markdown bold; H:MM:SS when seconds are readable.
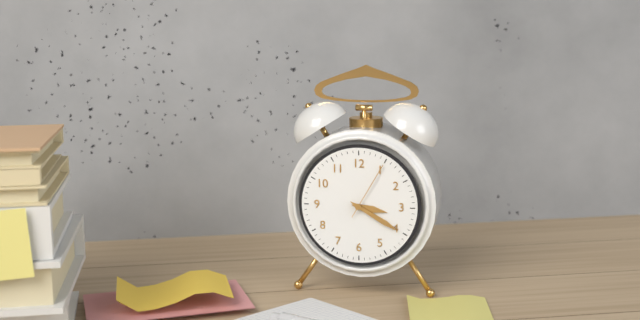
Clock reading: **3:20:05**
